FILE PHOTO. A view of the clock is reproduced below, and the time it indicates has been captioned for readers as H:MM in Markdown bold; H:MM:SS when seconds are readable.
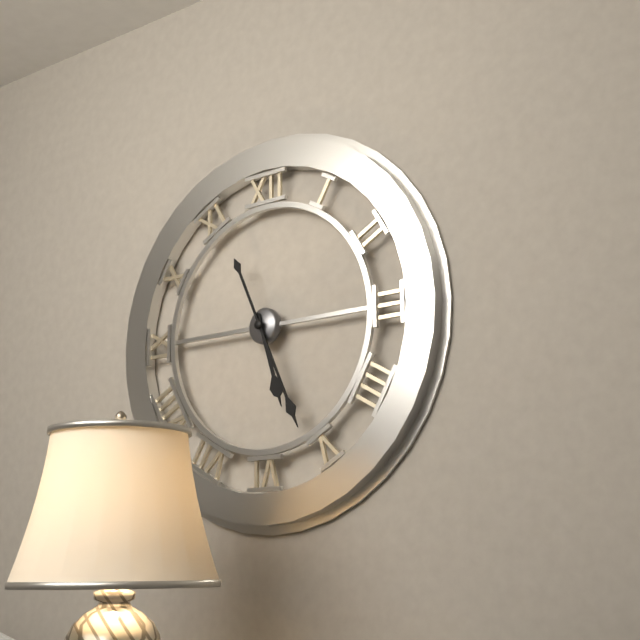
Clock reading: **5:26**
